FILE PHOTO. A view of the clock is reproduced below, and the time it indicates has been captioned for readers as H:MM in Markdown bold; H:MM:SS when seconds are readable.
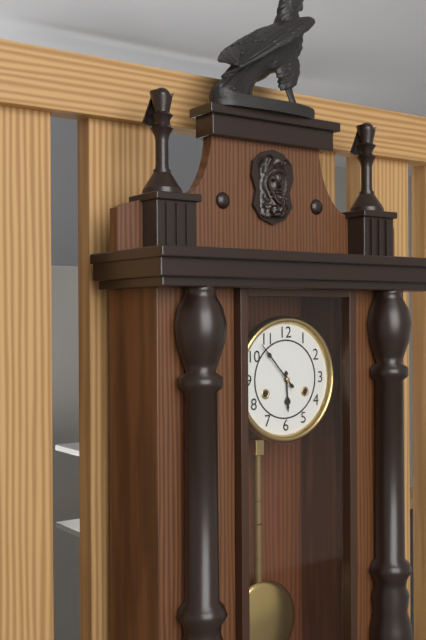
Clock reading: **5:53**
